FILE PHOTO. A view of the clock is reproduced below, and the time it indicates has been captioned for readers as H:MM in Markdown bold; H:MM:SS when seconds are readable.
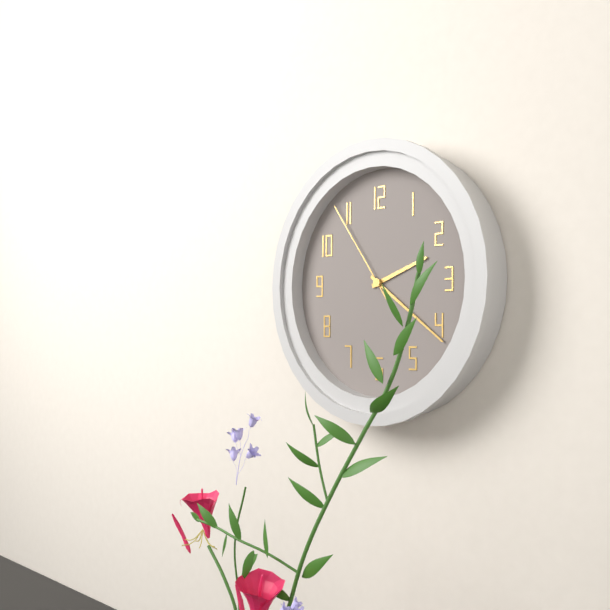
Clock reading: **2:21:54**
